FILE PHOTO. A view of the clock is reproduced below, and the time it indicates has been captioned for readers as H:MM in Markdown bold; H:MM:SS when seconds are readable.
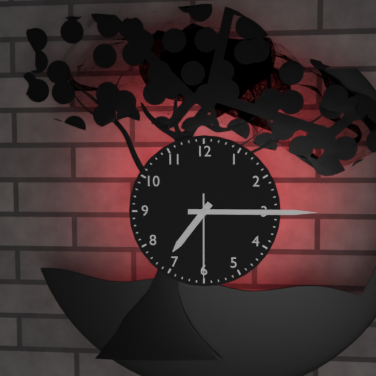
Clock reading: **7:15:30**
